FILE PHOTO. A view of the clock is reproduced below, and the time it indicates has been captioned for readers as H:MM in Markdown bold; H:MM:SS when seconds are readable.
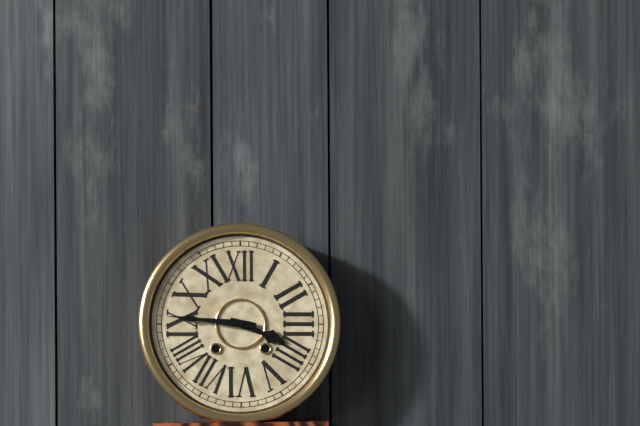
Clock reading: **3:46**
